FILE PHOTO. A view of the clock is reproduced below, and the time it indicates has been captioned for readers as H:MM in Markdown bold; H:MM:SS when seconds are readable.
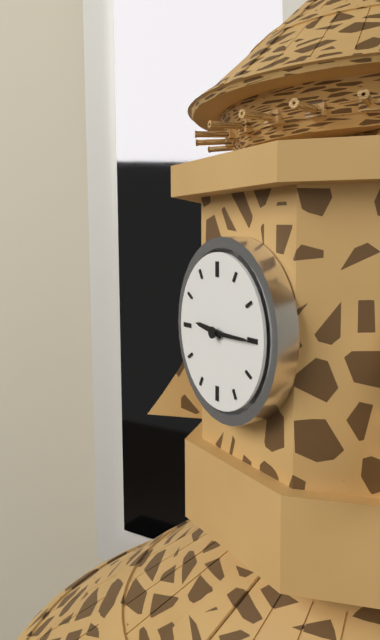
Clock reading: **9:15**
